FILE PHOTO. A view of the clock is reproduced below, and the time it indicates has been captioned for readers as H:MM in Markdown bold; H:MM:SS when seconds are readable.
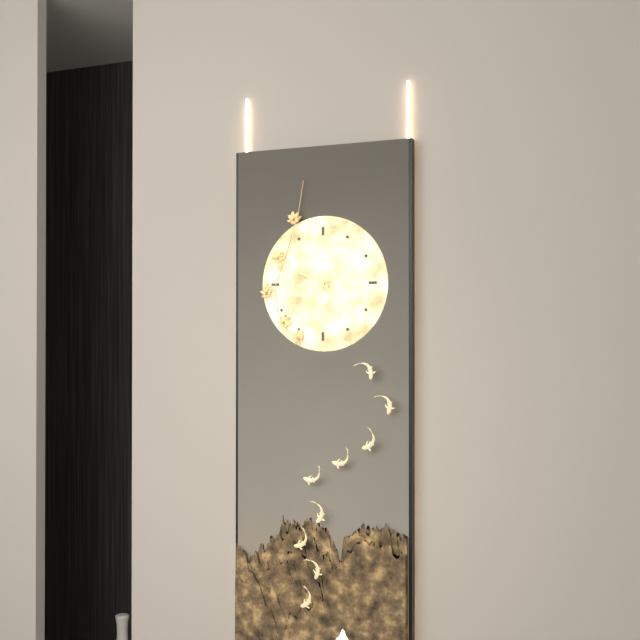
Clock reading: **9:52**
